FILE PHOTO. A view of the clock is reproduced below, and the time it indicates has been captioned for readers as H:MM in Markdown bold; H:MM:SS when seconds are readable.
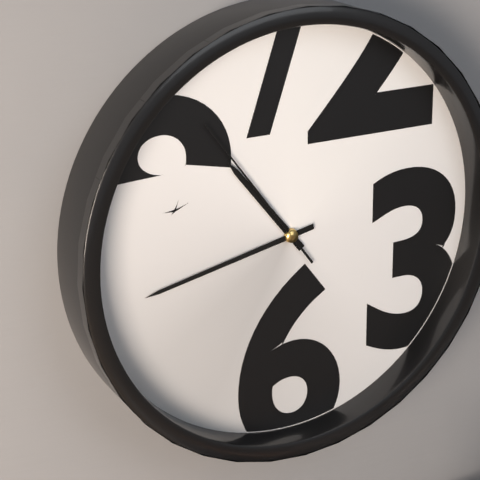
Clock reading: **10:43:54**
